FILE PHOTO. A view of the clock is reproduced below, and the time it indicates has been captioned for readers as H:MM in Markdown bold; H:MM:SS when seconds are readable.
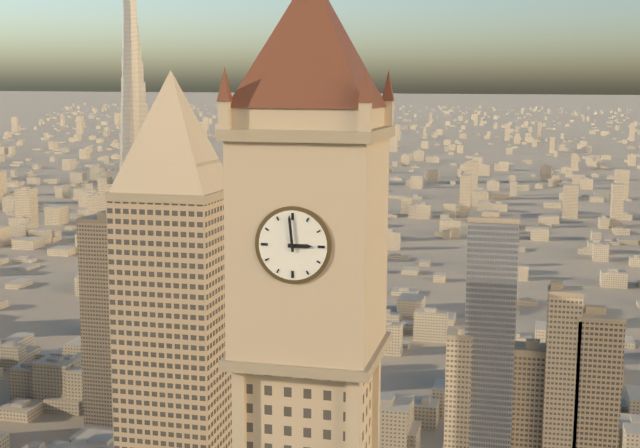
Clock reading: **2:59**
